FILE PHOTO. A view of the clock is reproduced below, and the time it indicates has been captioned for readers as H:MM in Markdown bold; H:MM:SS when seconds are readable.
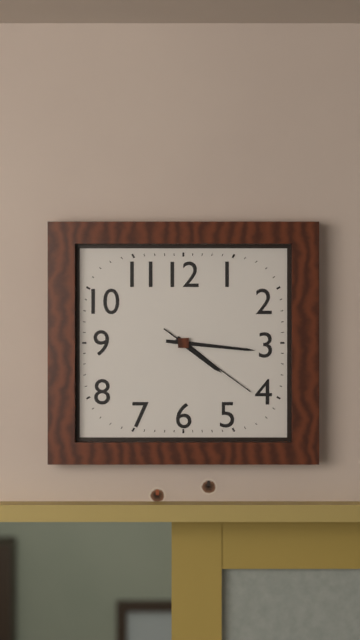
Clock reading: **4:16:21**
